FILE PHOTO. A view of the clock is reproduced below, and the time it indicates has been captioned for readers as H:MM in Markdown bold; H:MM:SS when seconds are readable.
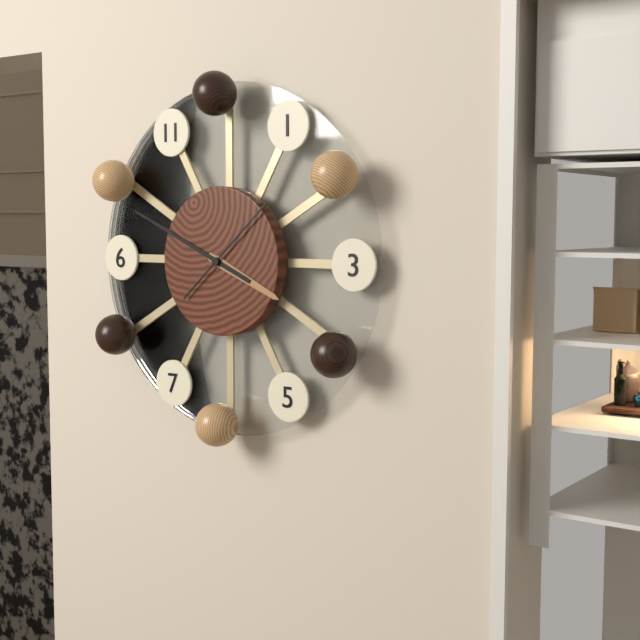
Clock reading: **3:49:08**
